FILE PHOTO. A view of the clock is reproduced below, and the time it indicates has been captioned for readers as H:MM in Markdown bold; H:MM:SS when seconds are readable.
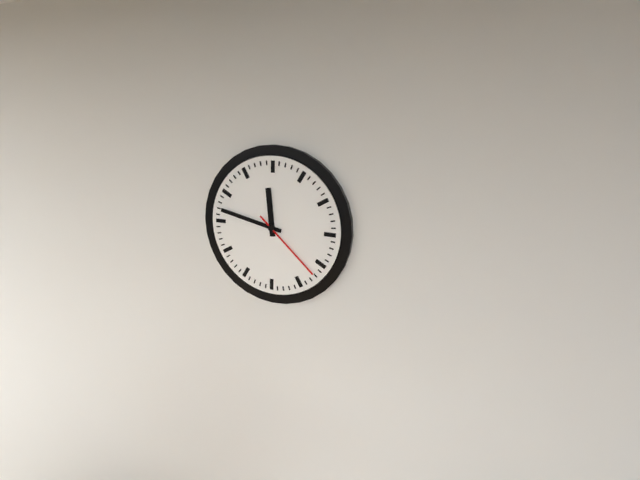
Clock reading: **11:47:22**
